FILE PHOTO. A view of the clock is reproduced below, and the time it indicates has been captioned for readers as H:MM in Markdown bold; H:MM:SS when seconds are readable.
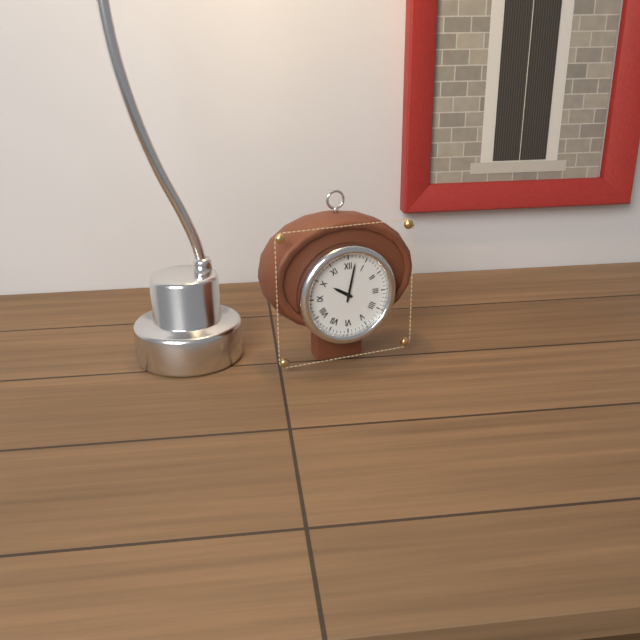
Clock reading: **10:02**
